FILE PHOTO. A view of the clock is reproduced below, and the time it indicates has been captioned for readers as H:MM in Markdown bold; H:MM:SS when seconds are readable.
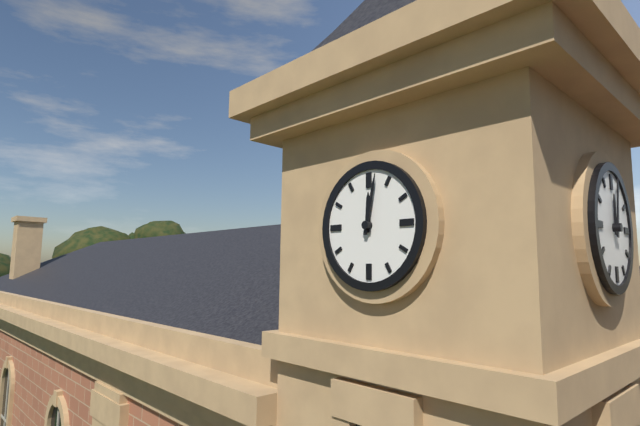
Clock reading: **12:02**
